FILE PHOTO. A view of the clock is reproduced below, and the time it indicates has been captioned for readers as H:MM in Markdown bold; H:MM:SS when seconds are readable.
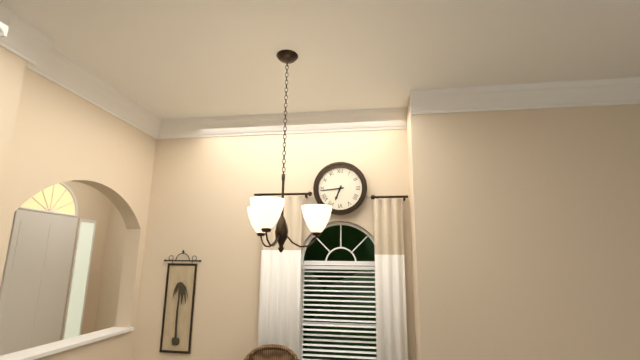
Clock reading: **6:44**
